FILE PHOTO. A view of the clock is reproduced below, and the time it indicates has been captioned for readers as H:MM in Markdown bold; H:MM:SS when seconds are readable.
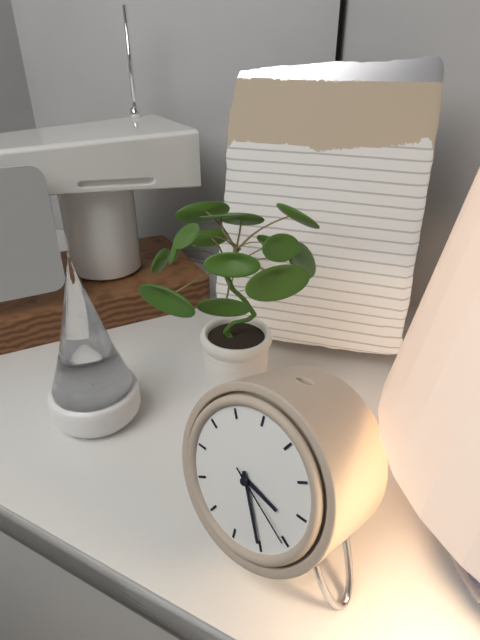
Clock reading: **3:25:20**
